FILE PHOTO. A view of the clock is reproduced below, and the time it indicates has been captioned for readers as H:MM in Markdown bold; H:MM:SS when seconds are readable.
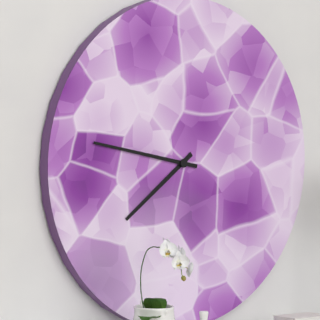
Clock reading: **7:47**
